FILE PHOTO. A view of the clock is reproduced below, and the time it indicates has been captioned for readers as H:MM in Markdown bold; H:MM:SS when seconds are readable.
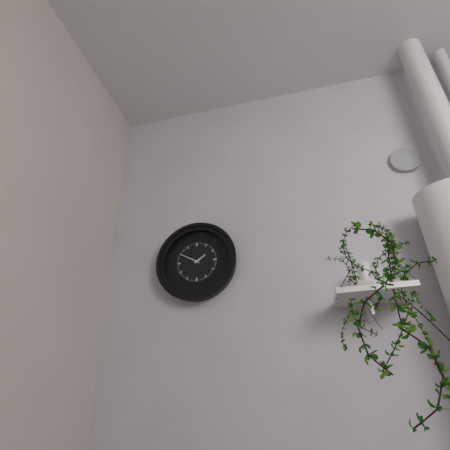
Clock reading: **1:50**
